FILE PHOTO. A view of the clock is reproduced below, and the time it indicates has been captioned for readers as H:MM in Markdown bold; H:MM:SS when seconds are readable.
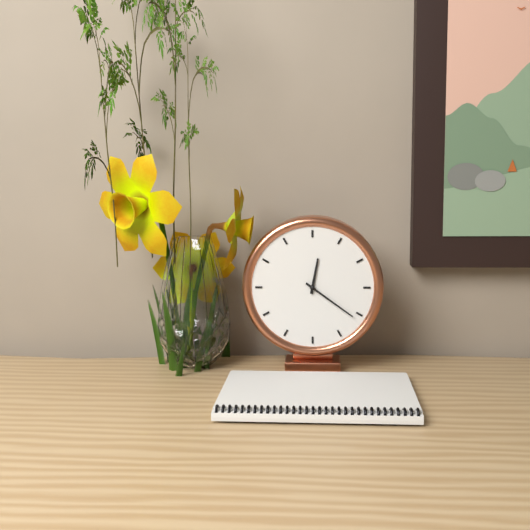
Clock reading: **12:21**
